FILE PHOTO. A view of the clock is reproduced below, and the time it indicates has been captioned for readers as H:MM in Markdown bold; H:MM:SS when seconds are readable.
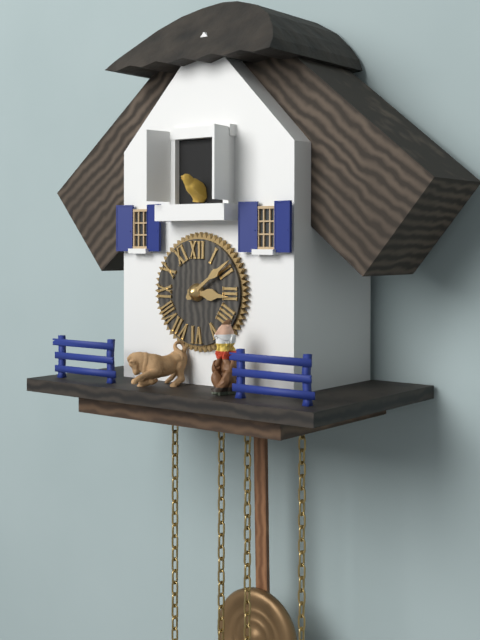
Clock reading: **3:09**
